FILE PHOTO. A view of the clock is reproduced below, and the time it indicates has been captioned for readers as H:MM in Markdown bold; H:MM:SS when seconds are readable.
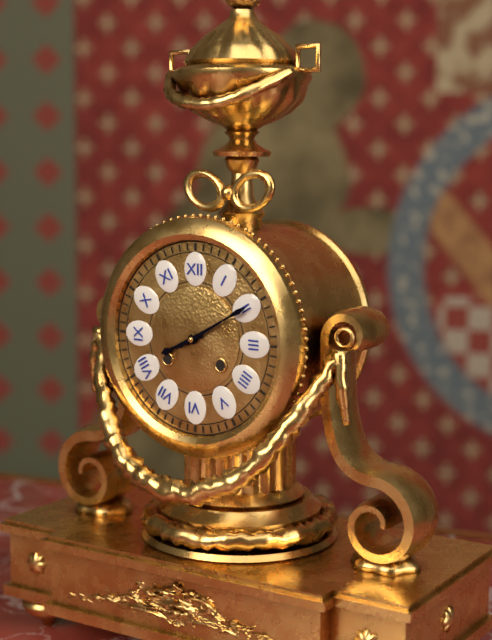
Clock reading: **8:10**
